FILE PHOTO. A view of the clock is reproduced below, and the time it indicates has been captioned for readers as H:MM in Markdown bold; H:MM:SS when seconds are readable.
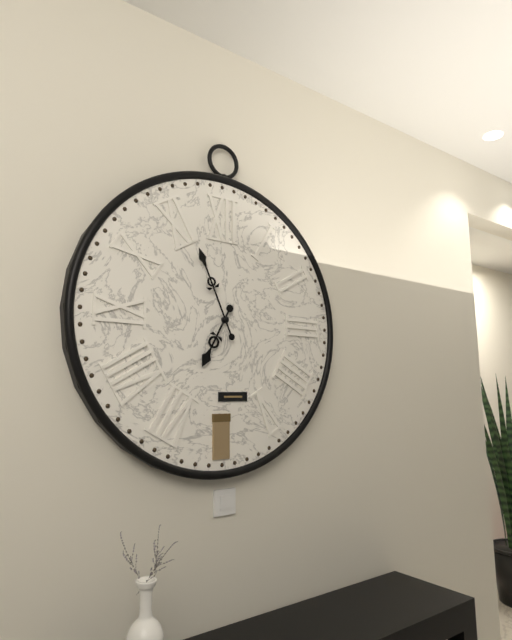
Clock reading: **6:56**
